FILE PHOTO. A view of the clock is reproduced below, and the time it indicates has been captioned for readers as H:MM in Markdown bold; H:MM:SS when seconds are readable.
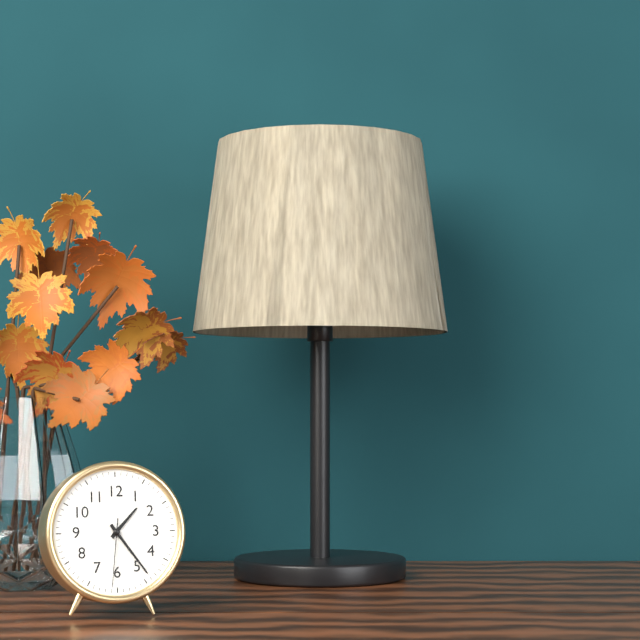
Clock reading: **1:24:31**
